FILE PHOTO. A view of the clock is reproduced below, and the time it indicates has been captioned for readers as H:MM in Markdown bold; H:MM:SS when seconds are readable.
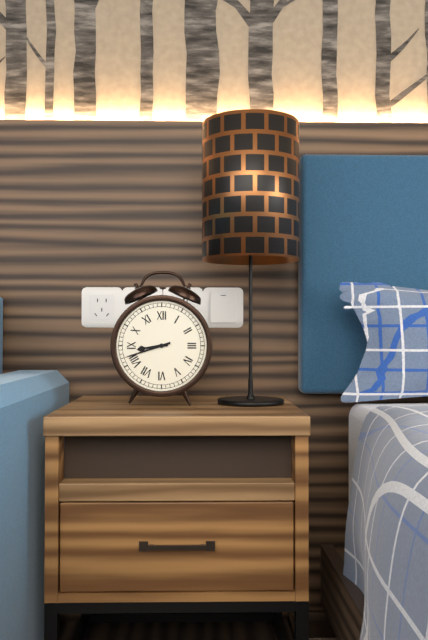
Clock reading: **8:42**
